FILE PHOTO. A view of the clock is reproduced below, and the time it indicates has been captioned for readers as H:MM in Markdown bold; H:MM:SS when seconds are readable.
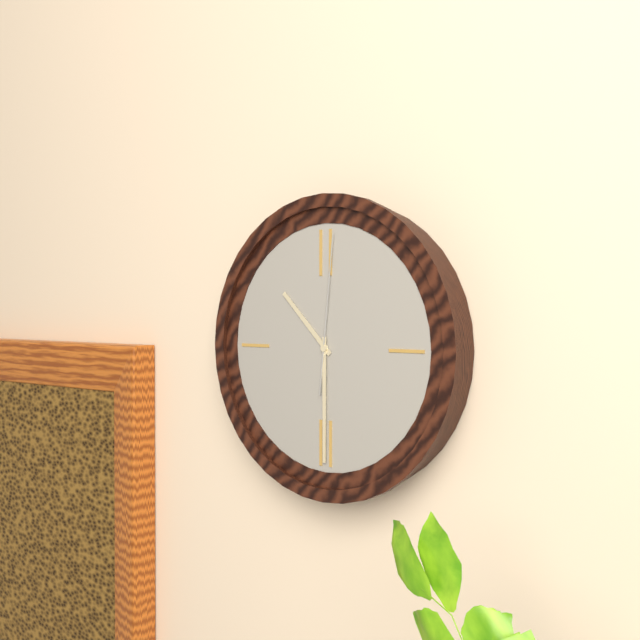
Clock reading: **10:30:01**
